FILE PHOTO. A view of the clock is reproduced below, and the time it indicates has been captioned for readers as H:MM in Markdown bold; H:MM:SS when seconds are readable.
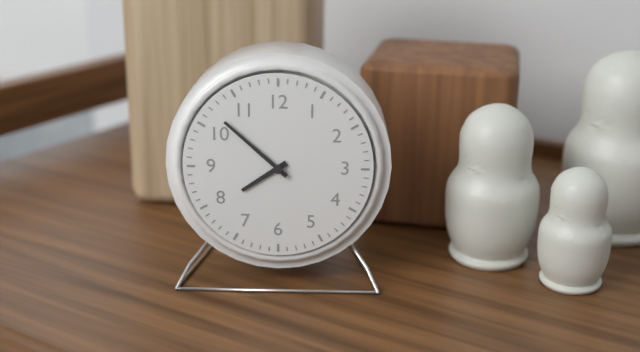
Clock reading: **7:52**
